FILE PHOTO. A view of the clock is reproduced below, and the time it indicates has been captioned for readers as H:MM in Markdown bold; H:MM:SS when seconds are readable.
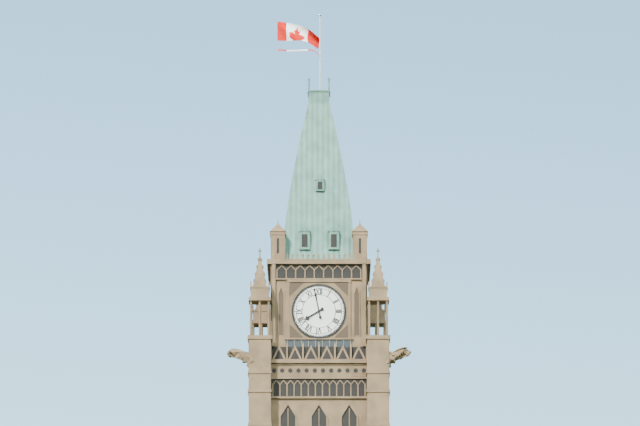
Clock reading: **7:58**
